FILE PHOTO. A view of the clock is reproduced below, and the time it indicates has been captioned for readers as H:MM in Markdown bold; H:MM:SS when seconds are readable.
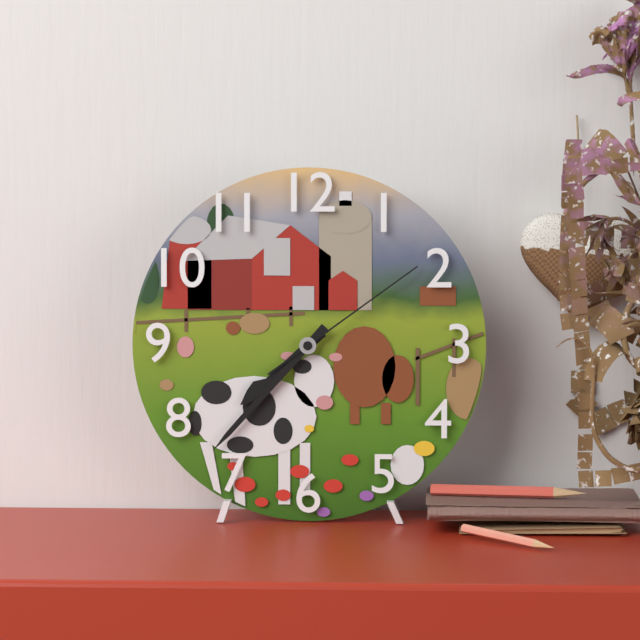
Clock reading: **7:37:09**
